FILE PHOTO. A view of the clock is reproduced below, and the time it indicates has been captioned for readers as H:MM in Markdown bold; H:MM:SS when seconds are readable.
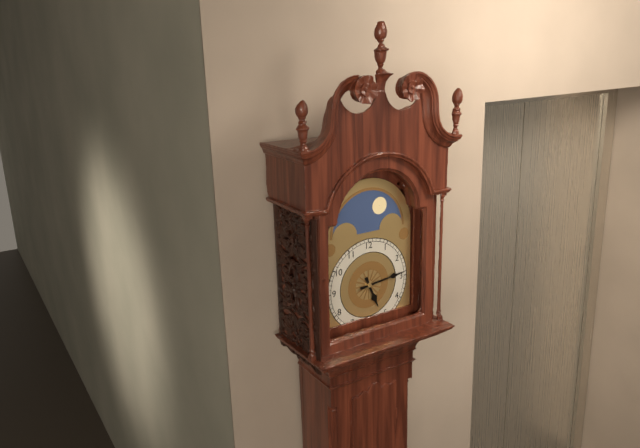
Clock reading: **5:14**
